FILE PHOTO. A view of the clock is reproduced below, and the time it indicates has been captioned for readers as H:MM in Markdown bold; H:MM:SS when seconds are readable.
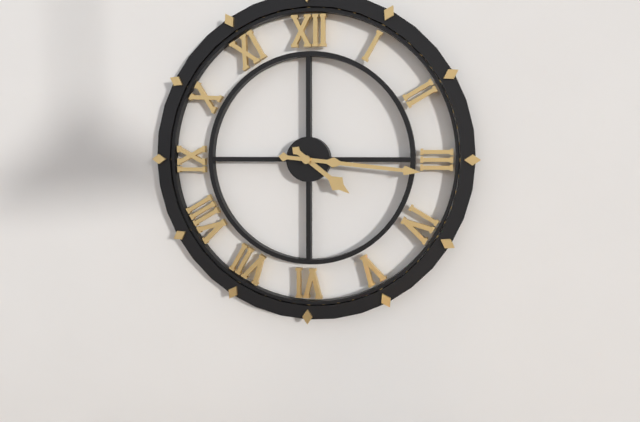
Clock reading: **4:16**
